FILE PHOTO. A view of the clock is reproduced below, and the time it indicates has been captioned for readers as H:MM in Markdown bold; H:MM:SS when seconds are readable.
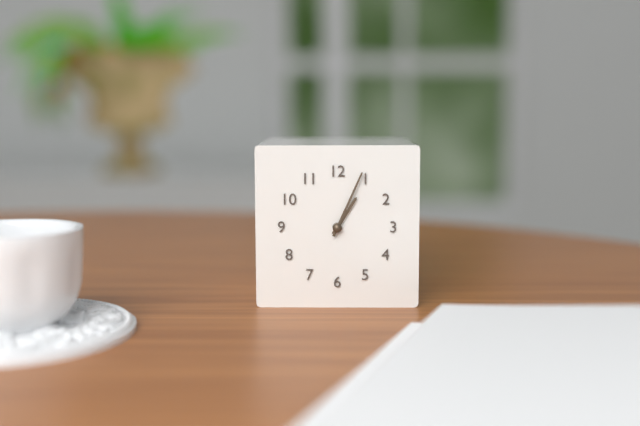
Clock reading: **1:04**
